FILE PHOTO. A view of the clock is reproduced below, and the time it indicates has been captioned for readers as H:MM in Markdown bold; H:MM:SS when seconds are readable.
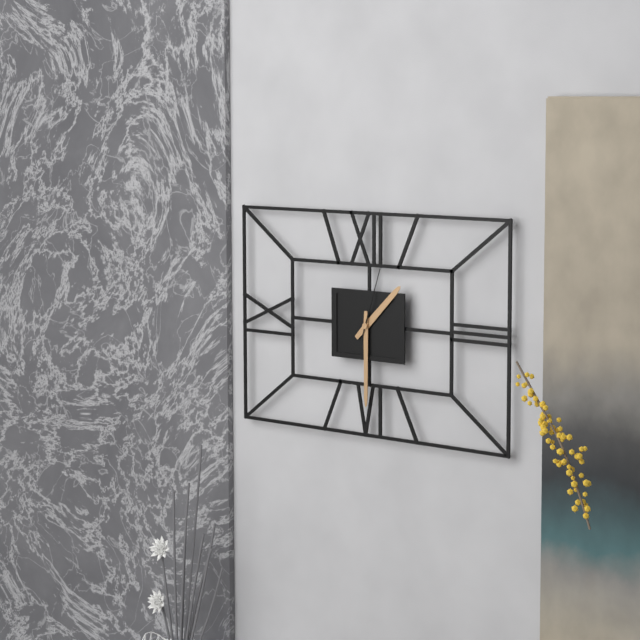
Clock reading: **1:30:03**
